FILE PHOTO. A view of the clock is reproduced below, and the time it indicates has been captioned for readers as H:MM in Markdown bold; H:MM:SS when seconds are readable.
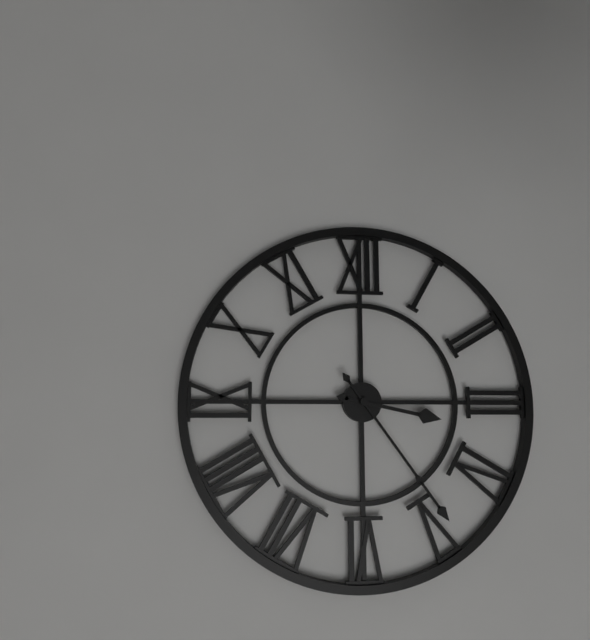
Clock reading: **3:24**
